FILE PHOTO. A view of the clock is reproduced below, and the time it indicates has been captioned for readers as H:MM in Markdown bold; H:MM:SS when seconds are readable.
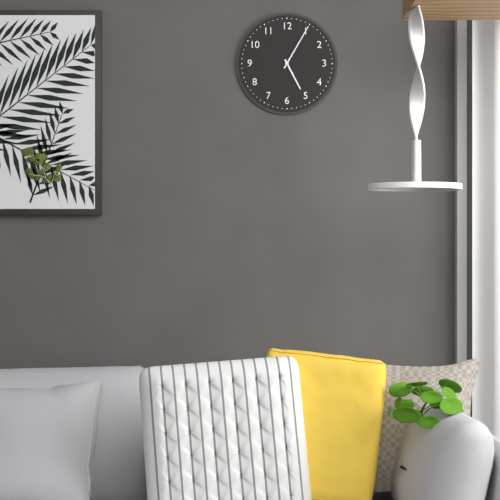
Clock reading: **5:05**
